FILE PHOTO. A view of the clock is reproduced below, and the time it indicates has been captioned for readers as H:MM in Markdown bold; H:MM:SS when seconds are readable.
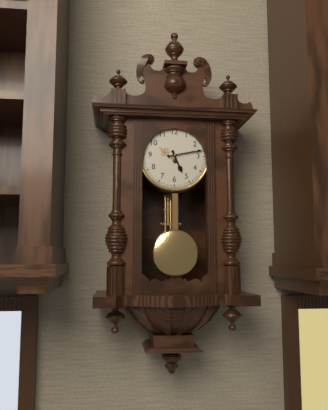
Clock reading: **5:13**
